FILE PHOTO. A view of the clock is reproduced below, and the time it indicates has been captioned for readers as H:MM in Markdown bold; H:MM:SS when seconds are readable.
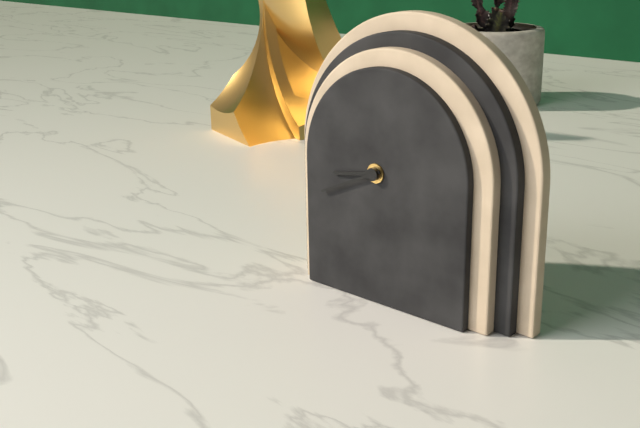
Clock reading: **8:41**
